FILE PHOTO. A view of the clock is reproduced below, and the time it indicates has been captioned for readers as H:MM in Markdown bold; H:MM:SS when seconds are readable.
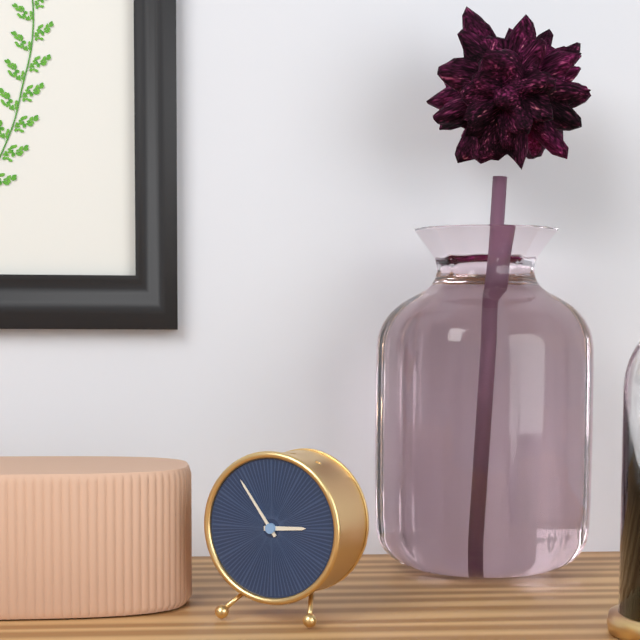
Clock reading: **2:54**
